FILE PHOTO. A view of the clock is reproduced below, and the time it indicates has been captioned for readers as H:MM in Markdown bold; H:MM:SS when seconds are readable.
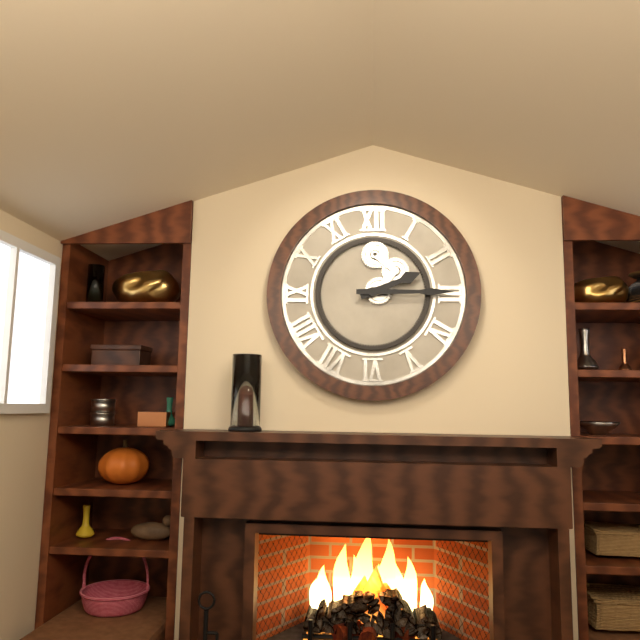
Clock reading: **2:15**
